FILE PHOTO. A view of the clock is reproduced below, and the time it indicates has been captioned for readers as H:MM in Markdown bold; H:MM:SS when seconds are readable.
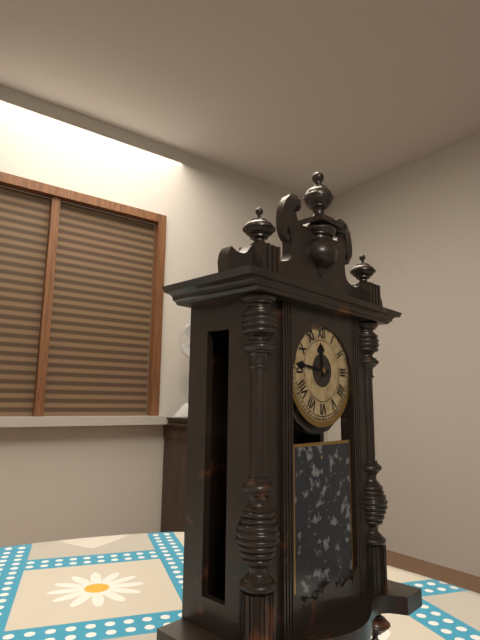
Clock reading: **11:46**
